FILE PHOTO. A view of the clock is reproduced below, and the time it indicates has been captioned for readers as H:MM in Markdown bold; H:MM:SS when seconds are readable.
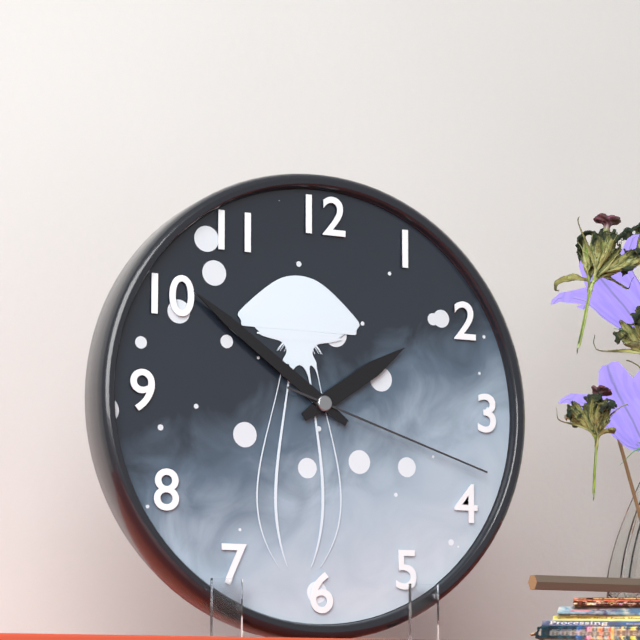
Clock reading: **1:51:18**
